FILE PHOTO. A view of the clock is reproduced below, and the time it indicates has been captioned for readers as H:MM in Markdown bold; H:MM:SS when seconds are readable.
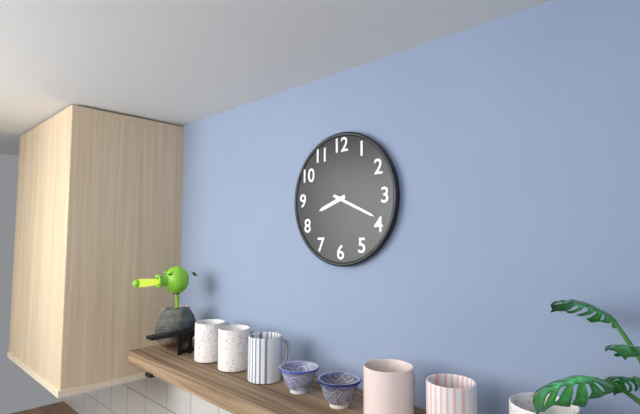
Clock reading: **8:19**
